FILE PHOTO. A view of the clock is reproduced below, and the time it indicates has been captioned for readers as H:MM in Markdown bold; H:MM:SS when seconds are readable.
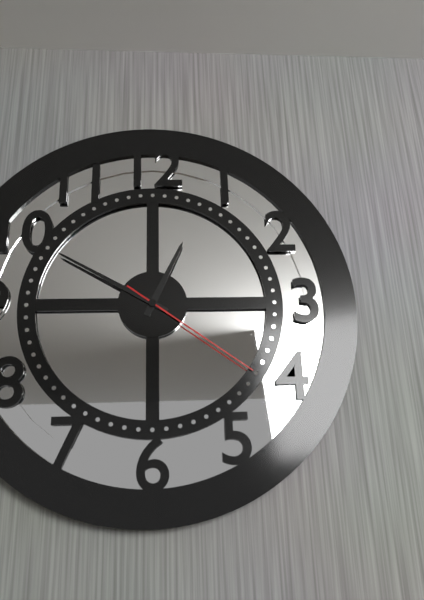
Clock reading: **12:50:21**
